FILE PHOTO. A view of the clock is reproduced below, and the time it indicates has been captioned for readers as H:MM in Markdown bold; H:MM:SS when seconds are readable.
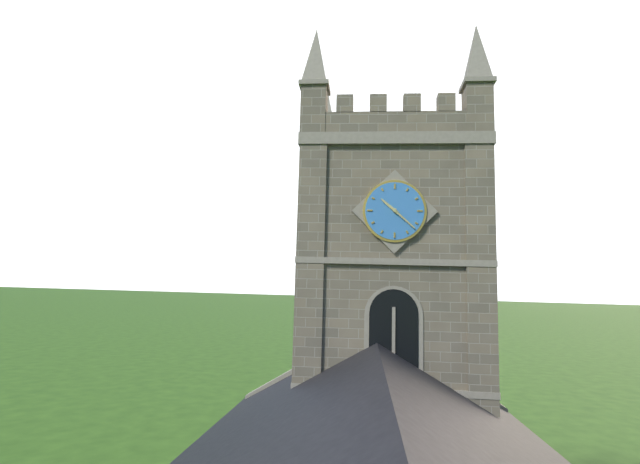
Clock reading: **10:22**
